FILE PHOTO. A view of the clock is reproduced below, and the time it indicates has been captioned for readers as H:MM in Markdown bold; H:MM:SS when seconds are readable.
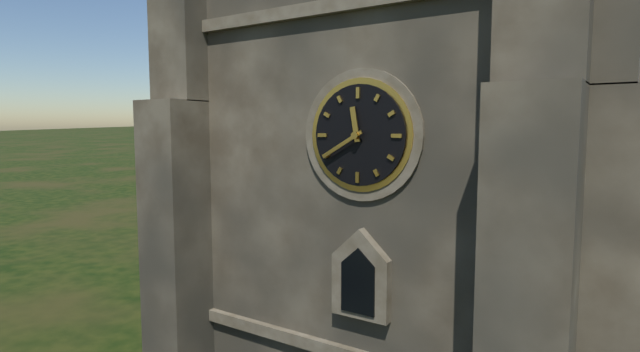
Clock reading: **11:40**
